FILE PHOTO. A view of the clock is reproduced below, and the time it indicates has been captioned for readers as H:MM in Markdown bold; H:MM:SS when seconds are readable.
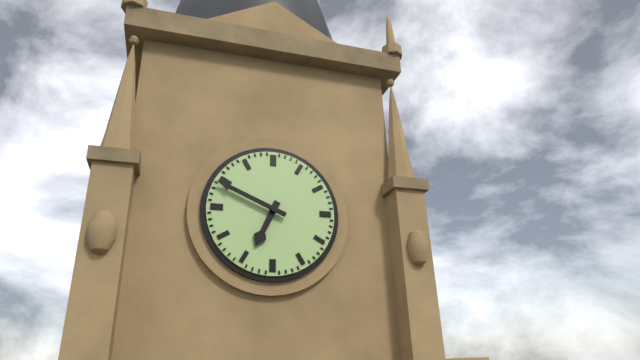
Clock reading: **6:49**
